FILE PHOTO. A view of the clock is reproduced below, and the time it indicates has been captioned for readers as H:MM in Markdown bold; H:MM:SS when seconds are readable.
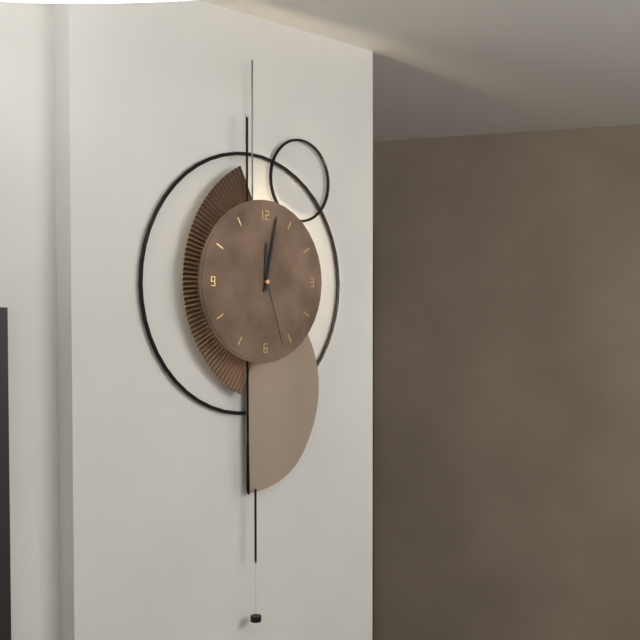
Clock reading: **12:02:27**
